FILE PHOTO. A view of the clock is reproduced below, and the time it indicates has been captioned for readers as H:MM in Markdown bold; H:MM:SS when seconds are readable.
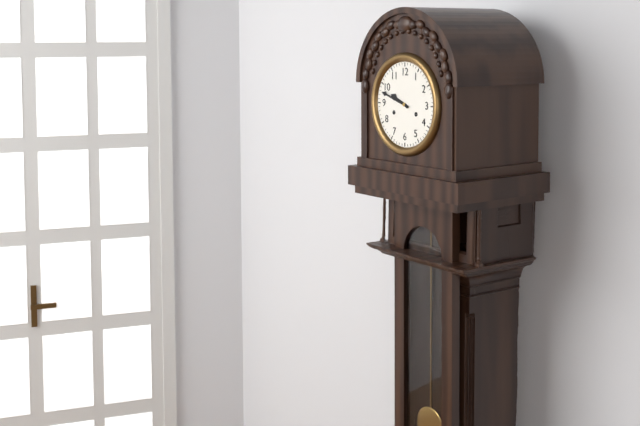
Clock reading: **9:48**
